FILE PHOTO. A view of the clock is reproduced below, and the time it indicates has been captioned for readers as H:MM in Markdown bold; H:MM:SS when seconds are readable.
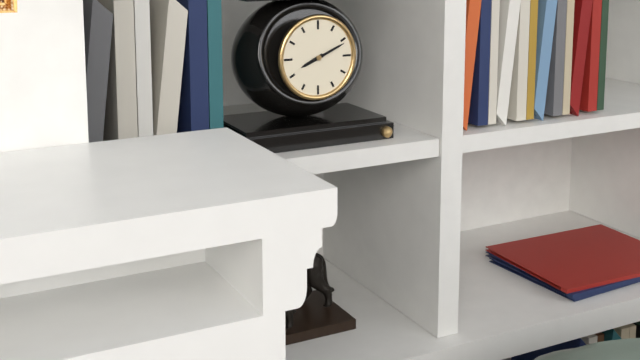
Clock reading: **8:11**
